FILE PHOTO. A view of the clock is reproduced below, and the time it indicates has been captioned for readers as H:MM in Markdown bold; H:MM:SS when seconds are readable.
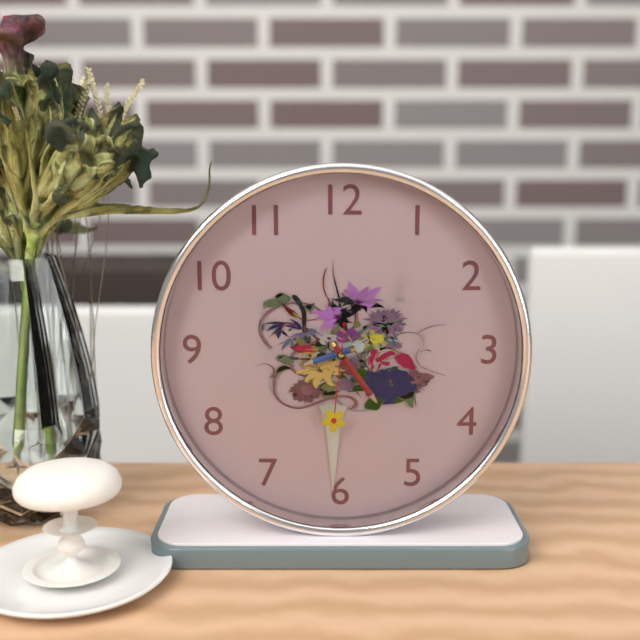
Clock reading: **8:24:31**
